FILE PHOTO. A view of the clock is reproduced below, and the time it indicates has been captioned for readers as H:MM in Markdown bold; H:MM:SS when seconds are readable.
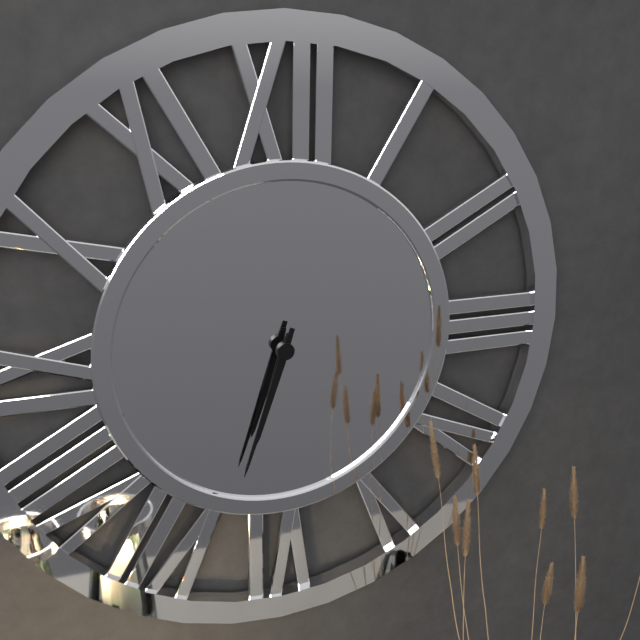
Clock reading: **6:33**
